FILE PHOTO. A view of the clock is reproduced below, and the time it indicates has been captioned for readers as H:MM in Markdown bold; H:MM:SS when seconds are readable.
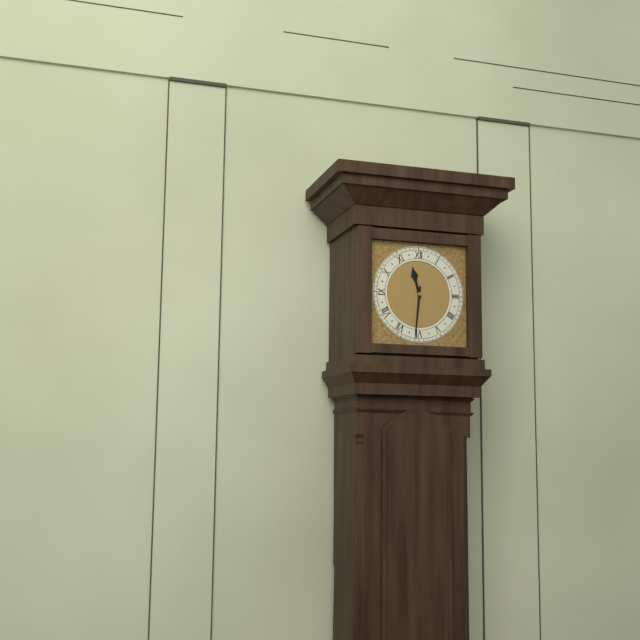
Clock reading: **11:31**
